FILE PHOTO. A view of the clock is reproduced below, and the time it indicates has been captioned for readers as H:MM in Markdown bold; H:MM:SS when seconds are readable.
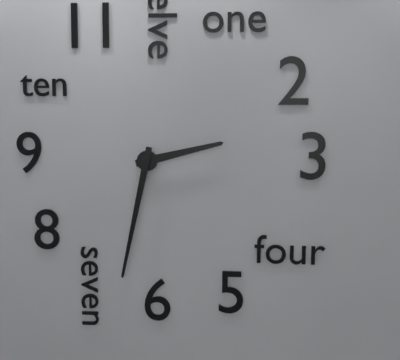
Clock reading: **2:32**
